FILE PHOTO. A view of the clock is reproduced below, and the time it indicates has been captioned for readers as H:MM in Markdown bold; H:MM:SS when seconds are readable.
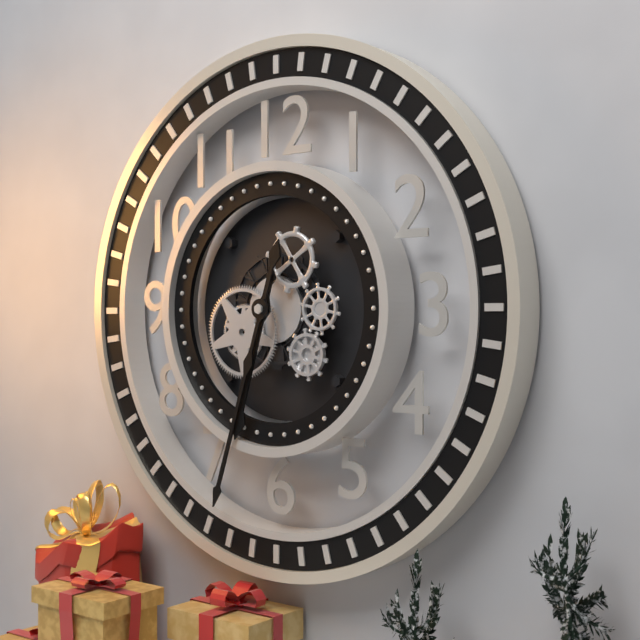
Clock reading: **6:33**
